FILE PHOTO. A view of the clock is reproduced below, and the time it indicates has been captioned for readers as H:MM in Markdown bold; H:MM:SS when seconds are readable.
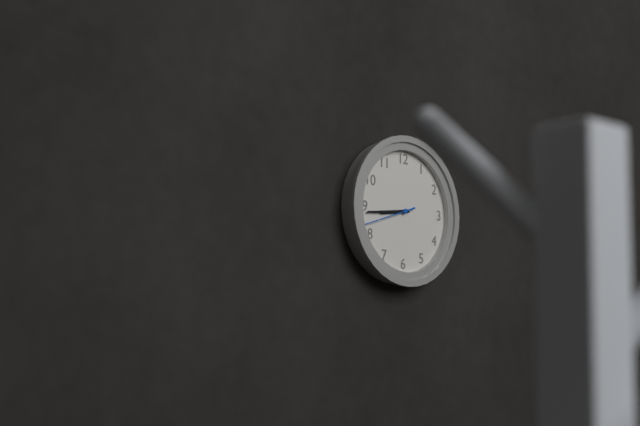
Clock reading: **8:44:42**
